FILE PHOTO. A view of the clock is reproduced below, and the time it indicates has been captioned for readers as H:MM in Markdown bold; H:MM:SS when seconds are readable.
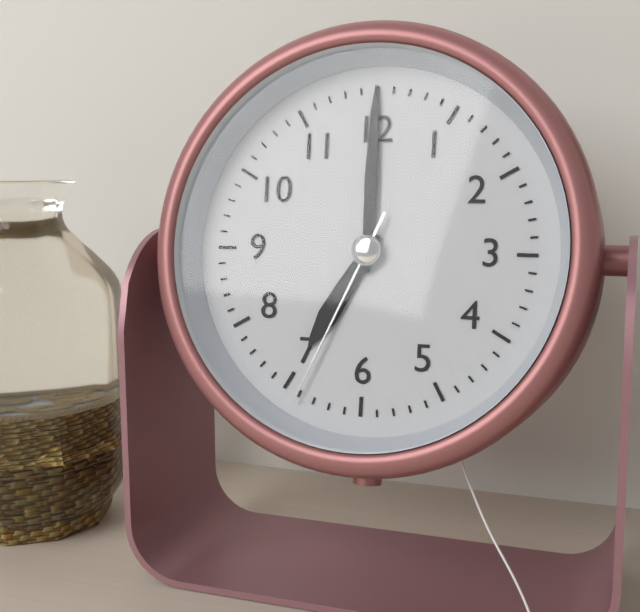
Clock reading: **7:00:34**
